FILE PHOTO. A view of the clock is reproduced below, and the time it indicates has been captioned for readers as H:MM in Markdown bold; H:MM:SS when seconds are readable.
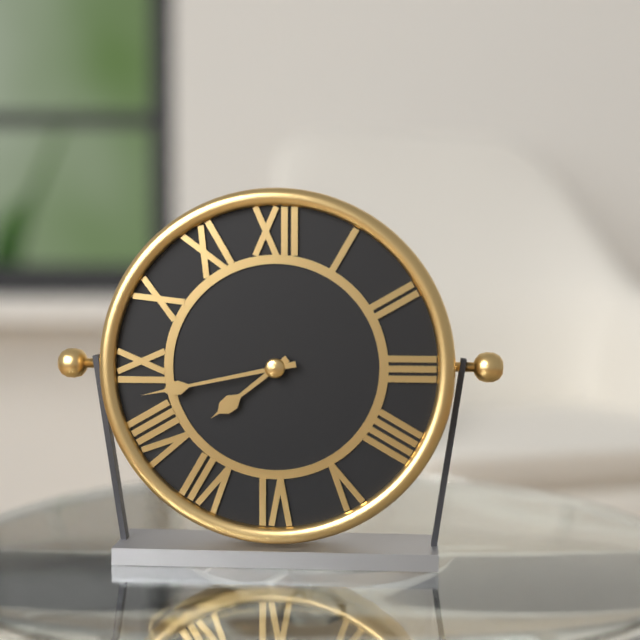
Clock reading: **7:43**
